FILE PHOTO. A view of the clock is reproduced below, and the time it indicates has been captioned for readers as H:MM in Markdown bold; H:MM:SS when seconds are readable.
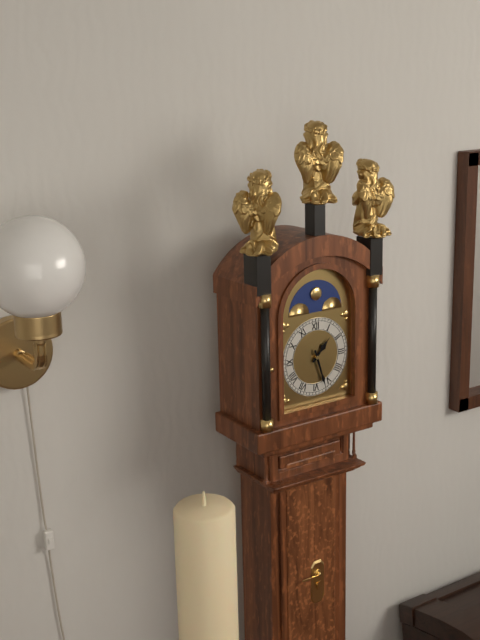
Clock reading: **1:27**
